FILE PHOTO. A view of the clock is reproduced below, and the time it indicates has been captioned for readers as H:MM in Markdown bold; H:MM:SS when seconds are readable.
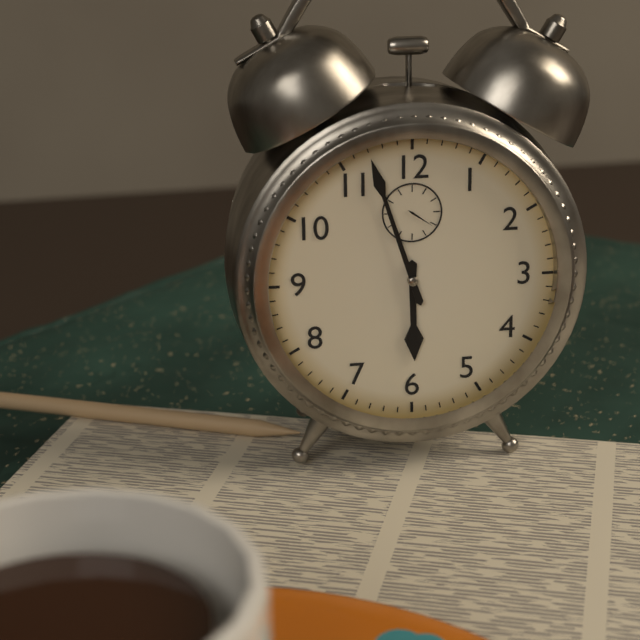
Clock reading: **5:57**
